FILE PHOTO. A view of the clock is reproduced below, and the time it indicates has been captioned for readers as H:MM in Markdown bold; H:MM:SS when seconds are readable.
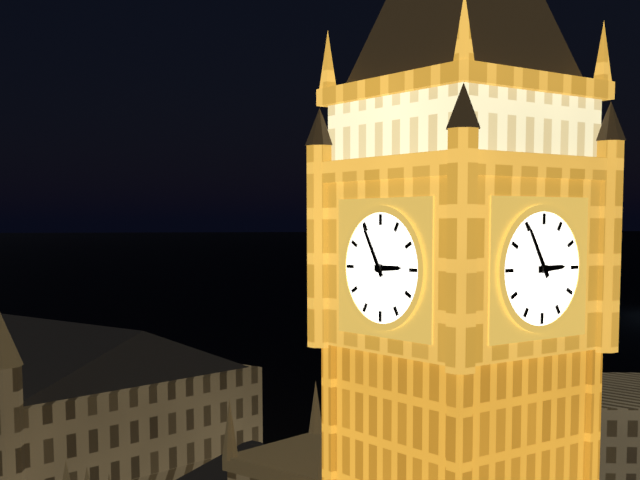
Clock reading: **2:55**
